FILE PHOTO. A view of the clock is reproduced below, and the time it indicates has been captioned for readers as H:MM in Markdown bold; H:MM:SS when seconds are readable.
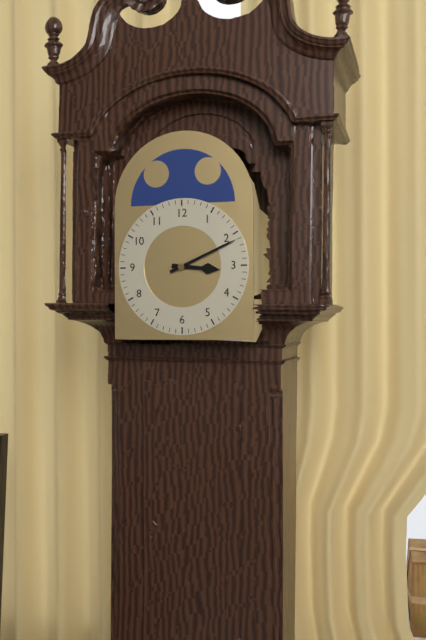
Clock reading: **3:11**
